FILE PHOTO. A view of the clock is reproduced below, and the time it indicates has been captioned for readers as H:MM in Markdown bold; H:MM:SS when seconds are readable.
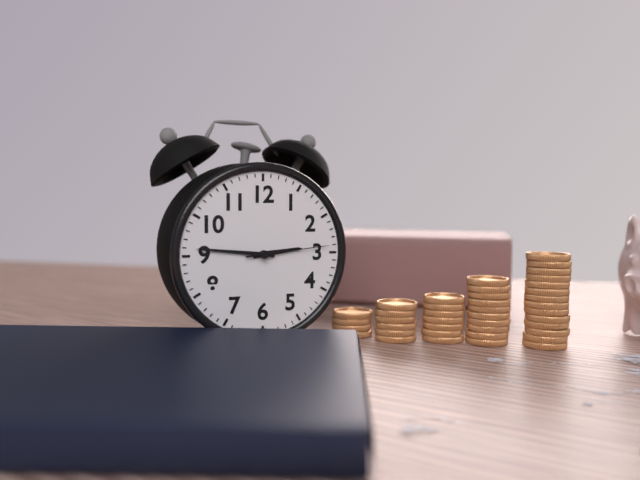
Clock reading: **2:46:14**
